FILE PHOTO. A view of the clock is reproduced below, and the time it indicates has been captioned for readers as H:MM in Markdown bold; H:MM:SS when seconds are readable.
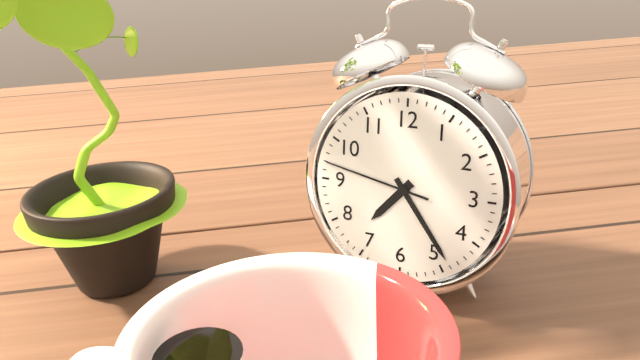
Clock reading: **7:24:47**
